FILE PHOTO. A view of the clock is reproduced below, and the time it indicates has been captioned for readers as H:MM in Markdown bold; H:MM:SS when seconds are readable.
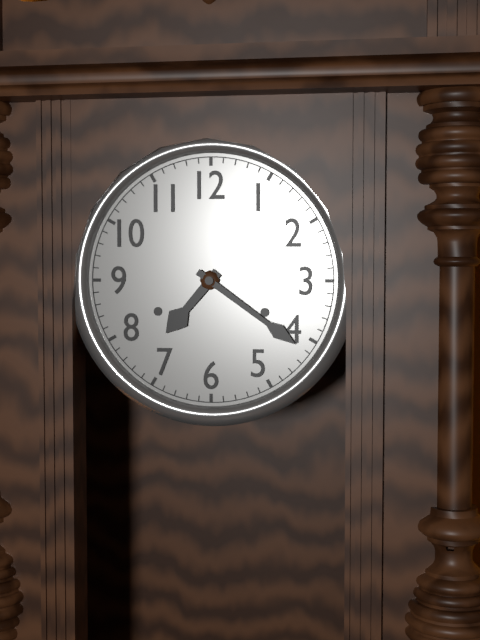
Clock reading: **7:21**
